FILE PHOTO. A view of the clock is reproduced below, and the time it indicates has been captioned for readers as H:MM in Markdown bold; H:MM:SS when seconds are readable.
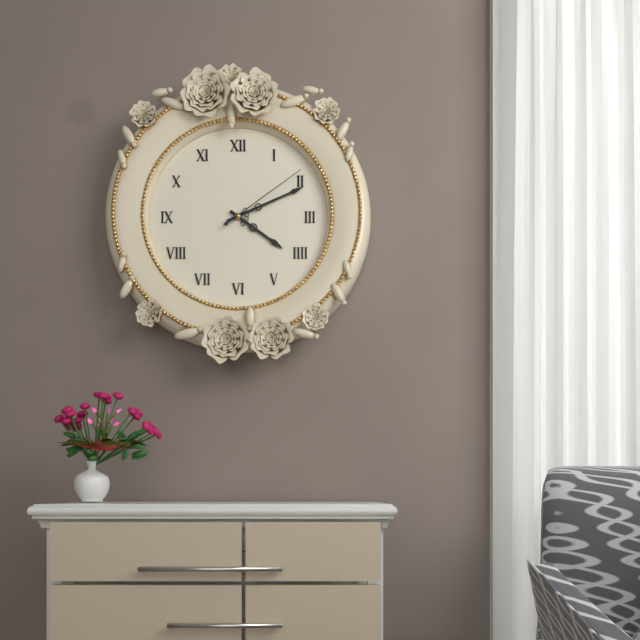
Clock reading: **4:11:09**
